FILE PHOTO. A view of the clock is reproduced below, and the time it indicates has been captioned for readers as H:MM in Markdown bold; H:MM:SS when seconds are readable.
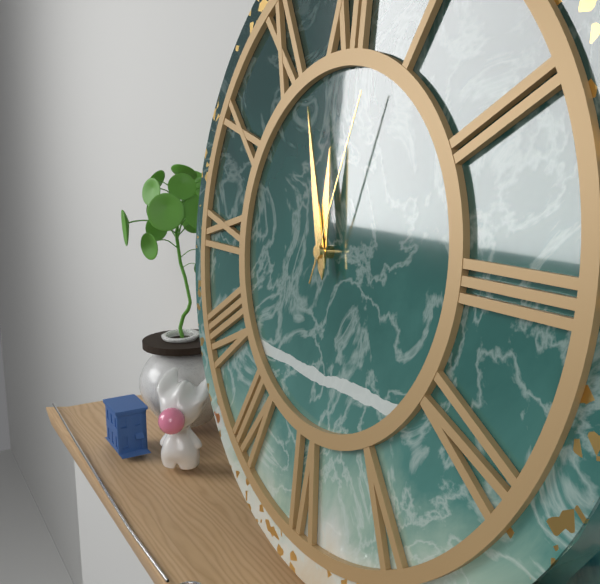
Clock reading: **11:57:03**
